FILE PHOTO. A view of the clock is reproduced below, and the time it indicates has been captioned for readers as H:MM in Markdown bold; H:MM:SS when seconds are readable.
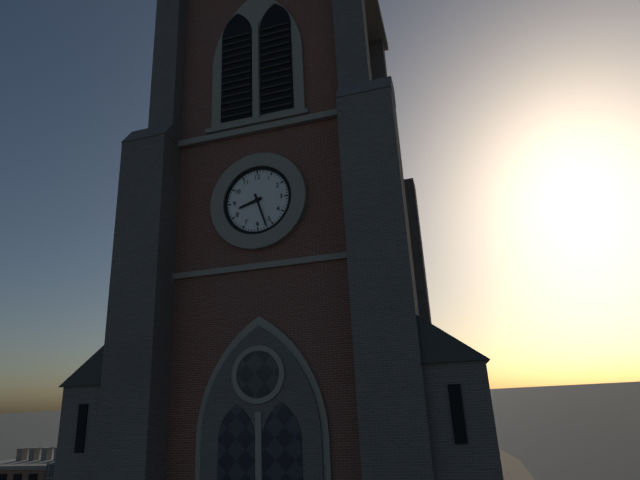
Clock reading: **8:27**
